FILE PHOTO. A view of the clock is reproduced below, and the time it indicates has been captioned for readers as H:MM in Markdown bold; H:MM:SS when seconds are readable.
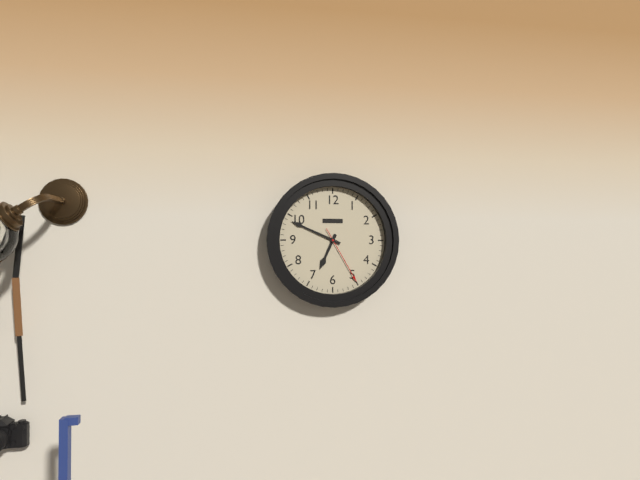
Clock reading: **6:49:25**
